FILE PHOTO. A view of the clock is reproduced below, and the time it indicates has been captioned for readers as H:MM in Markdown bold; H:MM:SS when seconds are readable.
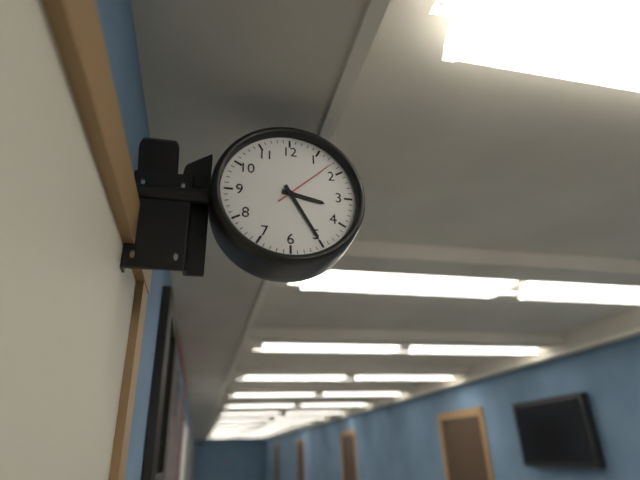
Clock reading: **3:25:08**
